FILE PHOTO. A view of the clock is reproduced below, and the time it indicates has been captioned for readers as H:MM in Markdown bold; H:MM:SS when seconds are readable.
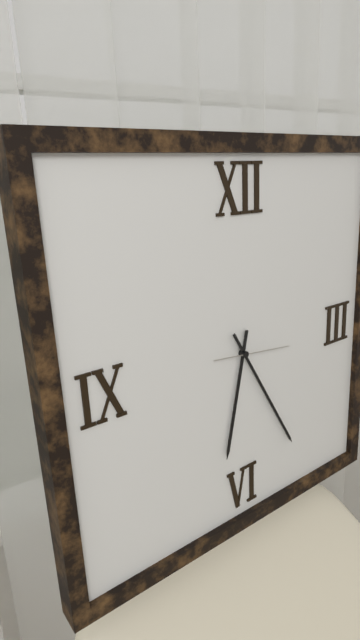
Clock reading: **6:25:16**
